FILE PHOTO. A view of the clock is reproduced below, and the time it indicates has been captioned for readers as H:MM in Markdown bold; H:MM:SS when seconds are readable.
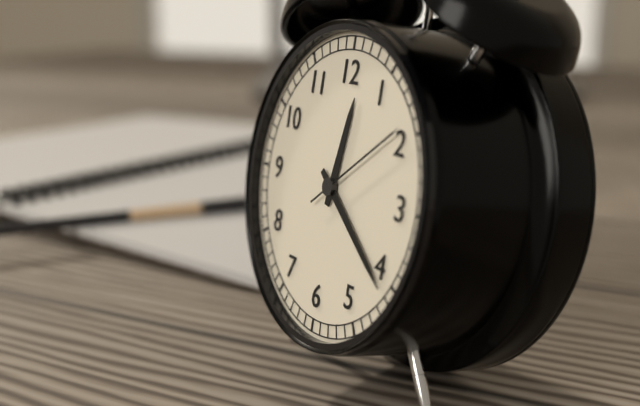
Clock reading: **12:21:09**
